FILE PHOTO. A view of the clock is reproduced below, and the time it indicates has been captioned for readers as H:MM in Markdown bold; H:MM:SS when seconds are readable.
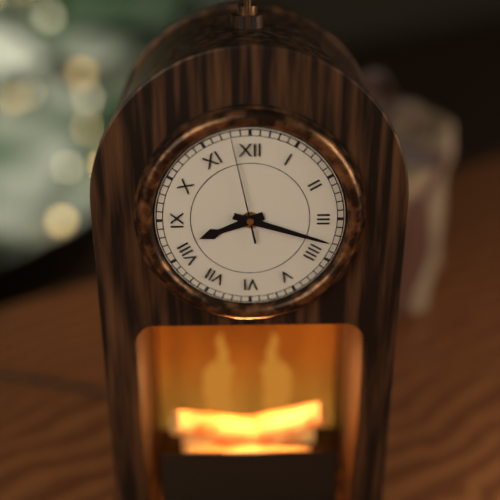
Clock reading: **8:18:58**
